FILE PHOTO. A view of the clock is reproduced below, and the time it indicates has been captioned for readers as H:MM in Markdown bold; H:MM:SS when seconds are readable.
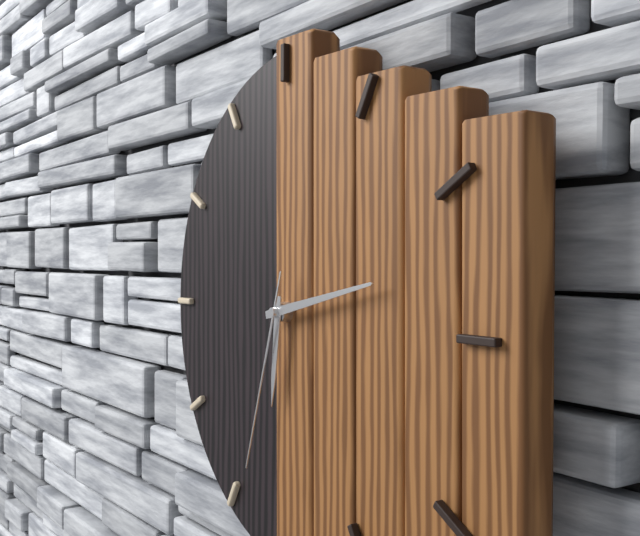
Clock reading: **6:13:33**
